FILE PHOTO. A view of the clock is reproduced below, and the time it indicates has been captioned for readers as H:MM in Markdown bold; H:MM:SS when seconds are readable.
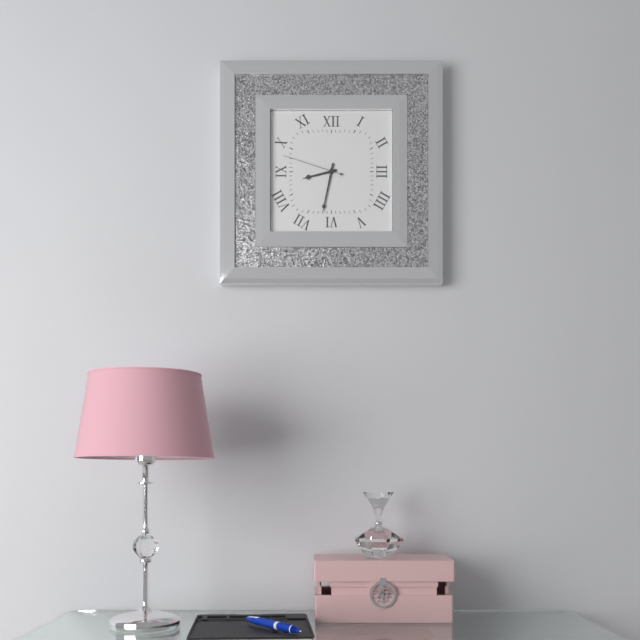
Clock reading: **8:32:48**
